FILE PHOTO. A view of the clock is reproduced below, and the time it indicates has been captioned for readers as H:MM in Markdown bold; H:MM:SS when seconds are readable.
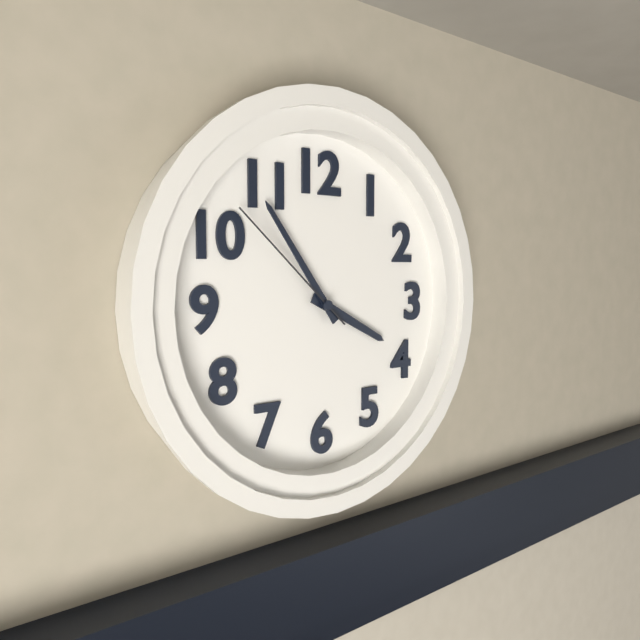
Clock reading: **3:54:52**
